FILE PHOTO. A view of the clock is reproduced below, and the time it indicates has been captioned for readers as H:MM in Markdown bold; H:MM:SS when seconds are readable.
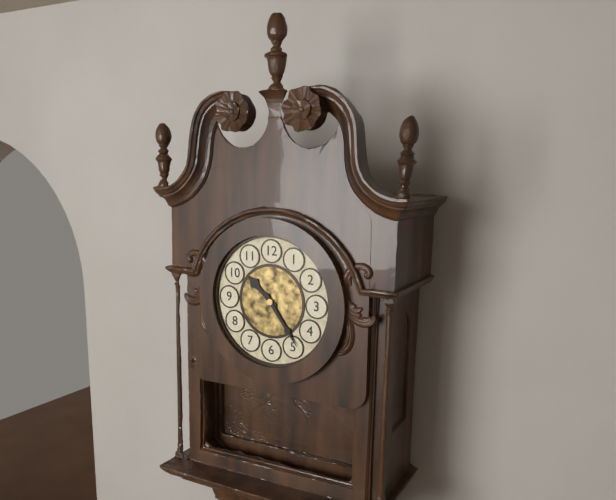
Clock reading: **10:24**
